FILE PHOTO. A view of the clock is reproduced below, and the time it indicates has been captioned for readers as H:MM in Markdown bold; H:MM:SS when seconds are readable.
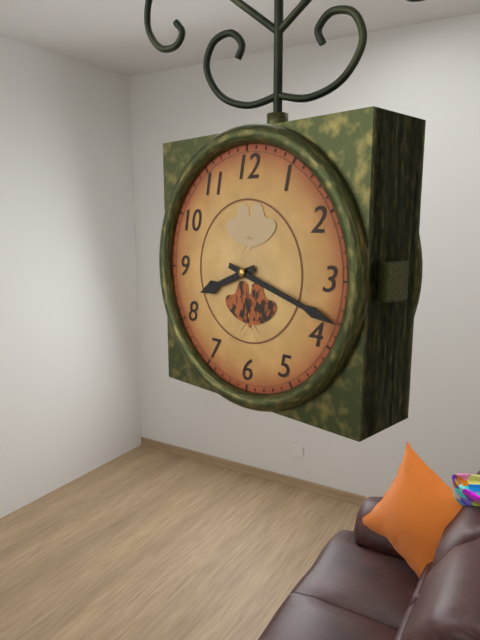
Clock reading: **8:18**
